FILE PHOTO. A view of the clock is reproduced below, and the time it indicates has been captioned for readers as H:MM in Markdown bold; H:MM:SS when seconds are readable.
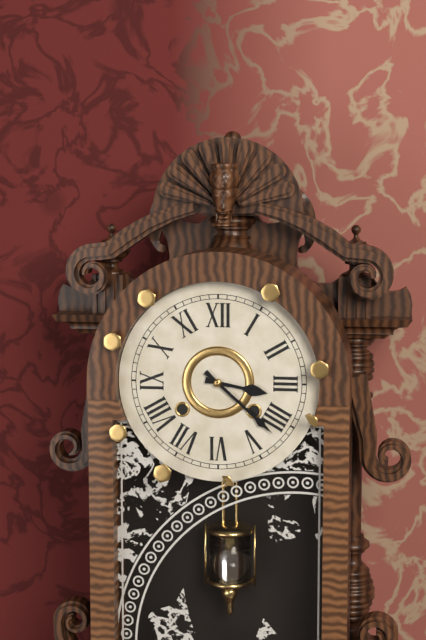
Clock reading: **3:22**
